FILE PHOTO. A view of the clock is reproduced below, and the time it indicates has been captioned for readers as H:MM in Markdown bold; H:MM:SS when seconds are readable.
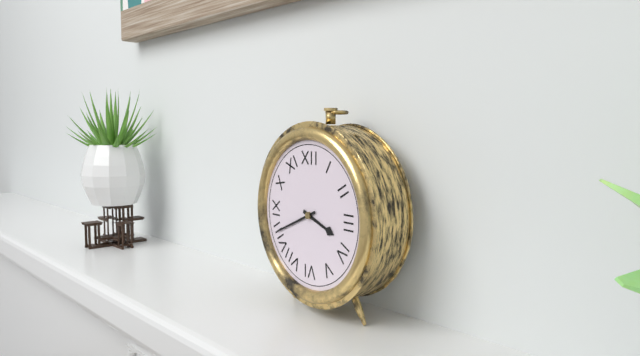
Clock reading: **3:41**
